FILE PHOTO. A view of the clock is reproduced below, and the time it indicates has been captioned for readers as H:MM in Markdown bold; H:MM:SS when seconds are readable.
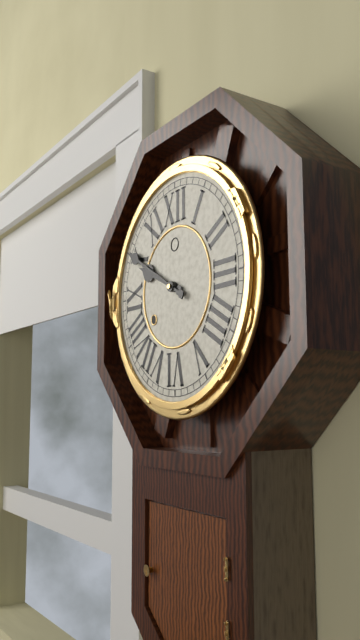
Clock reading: **9:50**
